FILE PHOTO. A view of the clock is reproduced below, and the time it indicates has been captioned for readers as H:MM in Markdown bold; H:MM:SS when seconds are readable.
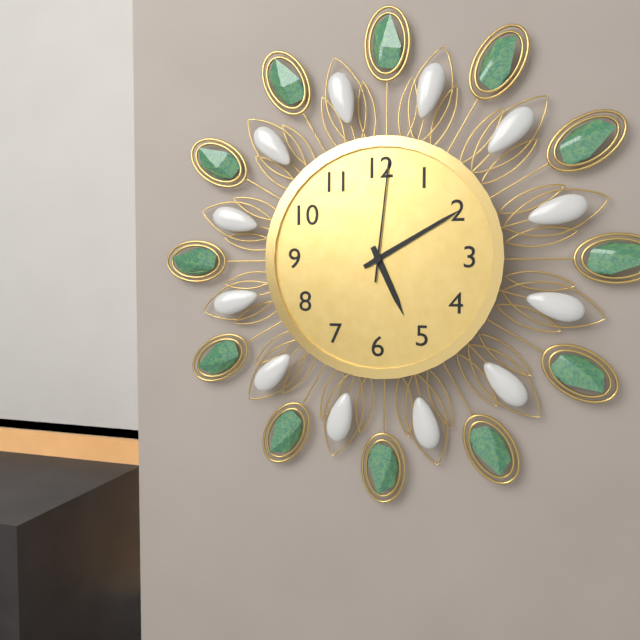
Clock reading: **5:10:01**
